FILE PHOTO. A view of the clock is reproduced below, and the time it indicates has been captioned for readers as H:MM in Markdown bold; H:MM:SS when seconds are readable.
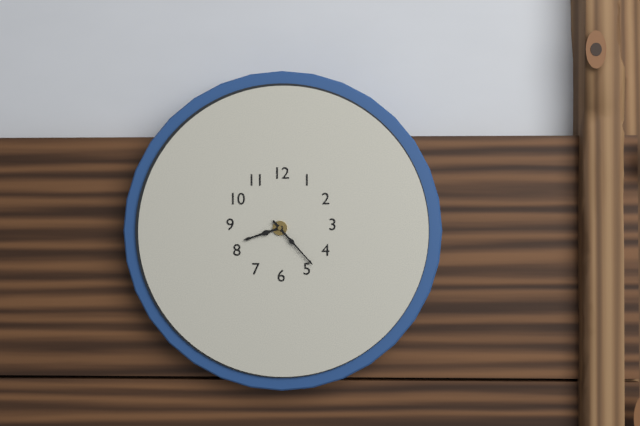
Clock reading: **8:23**
